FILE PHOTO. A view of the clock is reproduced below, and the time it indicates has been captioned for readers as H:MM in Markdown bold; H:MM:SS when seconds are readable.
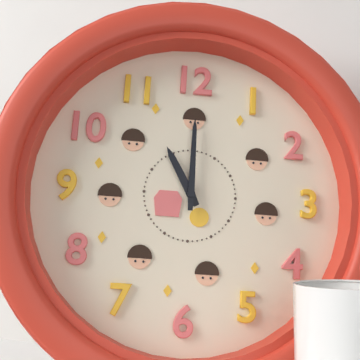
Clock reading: **11:00**
